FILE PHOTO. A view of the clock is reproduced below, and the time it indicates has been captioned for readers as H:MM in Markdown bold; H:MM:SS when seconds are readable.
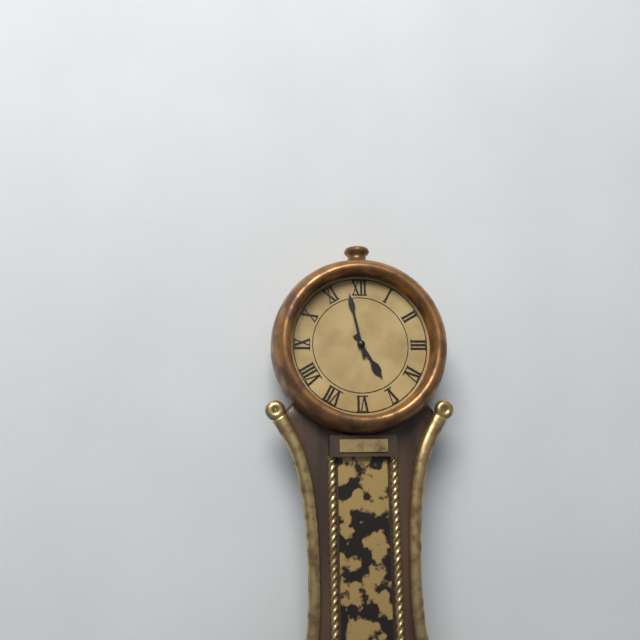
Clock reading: **4:58**
